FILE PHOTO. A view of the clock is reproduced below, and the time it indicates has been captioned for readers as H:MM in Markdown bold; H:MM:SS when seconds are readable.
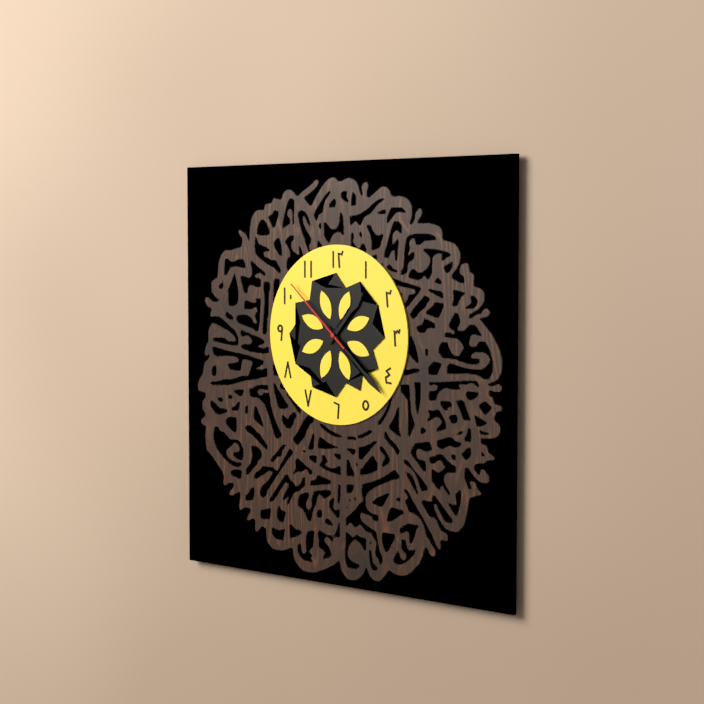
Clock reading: **1:22:52**
